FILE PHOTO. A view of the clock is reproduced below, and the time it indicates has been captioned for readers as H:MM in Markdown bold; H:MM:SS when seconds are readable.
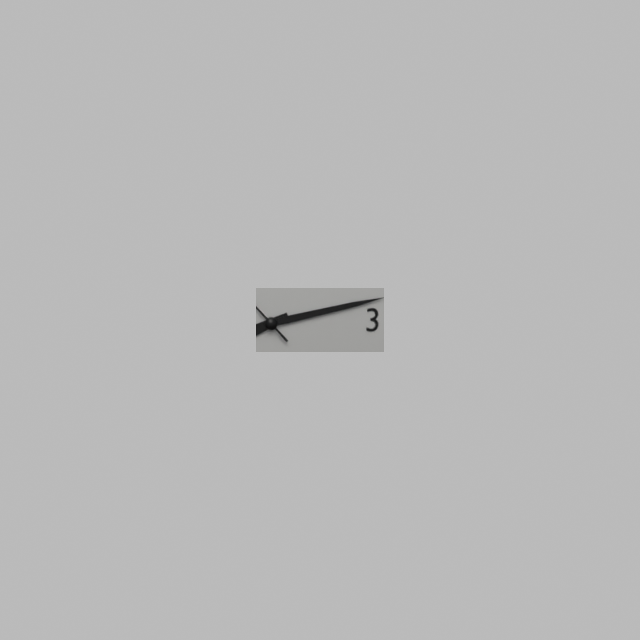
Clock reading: **8:13:53**
